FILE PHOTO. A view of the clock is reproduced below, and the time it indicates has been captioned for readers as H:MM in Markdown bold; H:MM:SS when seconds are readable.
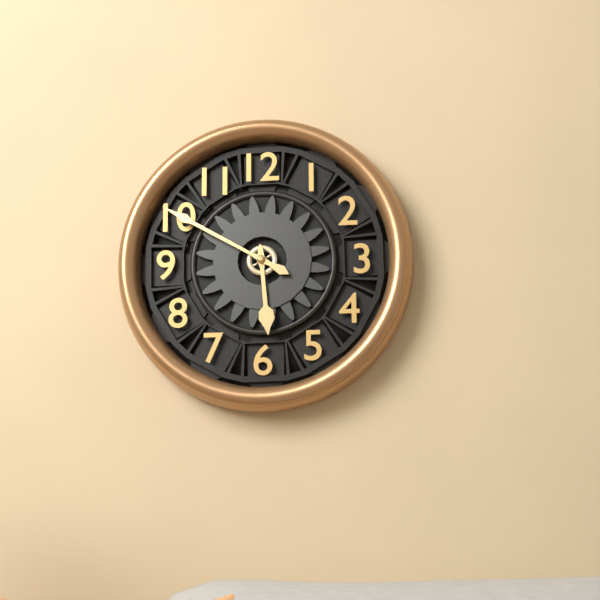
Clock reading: **5:50**
